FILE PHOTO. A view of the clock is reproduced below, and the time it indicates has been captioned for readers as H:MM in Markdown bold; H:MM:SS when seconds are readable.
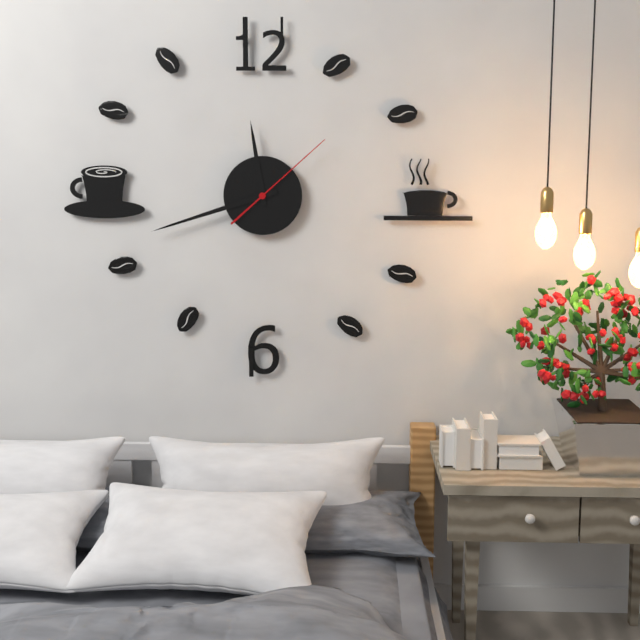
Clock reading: **11:42:08**
